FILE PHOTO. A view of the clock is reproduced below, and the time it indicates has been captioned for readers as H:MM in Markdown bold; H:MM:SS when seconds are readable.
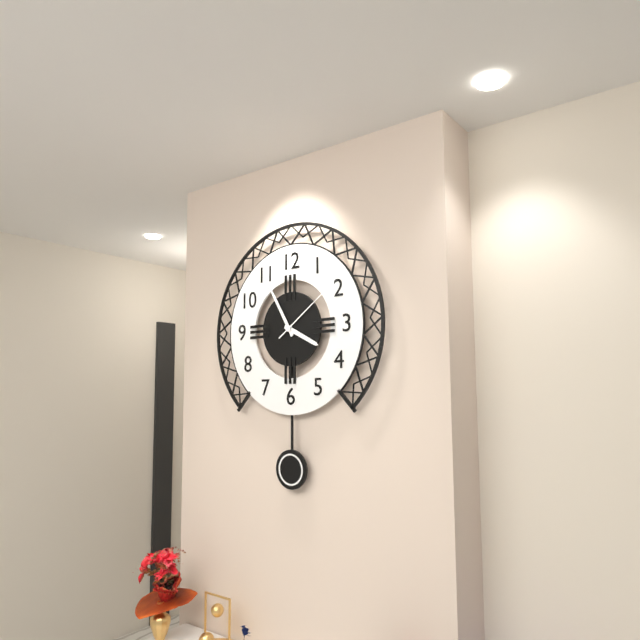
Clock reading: **3:55:09**
